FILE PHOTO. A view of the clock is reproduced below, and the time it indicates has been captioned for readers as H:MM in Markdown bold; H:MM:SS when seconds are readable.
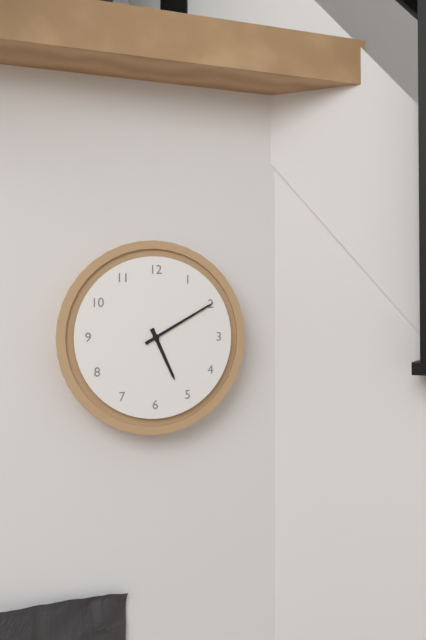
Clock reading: **5:10**
